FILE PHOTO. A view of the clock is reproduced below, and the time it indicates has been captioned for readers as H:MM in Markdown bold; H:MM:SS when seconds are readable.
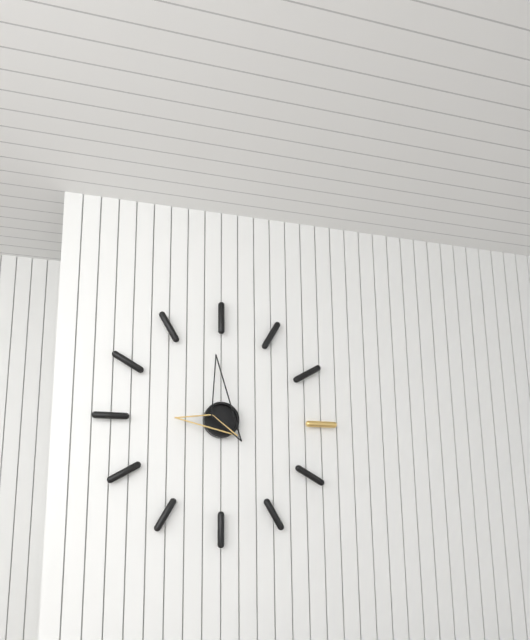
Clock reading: **8:59**
